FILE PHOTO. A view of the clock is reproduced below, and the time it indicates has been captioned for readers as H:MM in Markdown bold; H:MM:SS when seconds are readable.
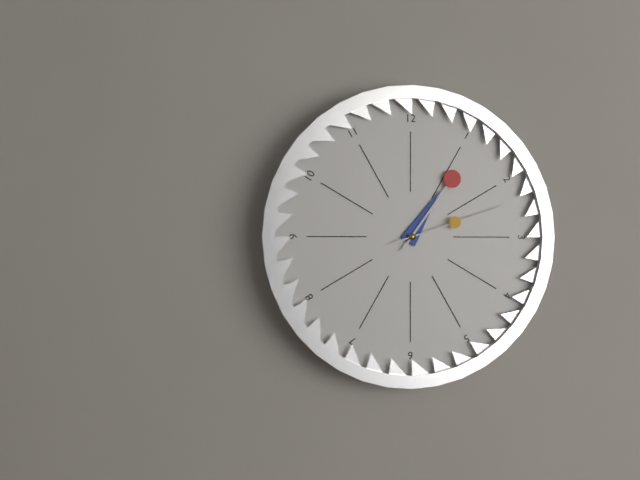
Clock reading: **1:06:12**
